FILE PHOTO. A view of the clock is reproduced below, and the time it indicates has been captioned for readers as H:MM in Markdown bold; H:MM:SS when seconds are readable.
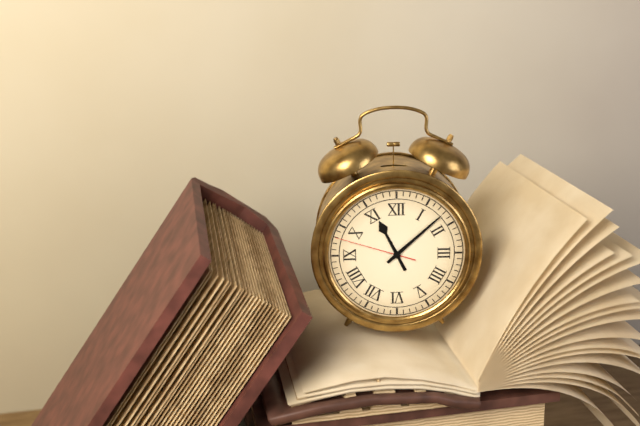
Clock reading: **11:08:48**
